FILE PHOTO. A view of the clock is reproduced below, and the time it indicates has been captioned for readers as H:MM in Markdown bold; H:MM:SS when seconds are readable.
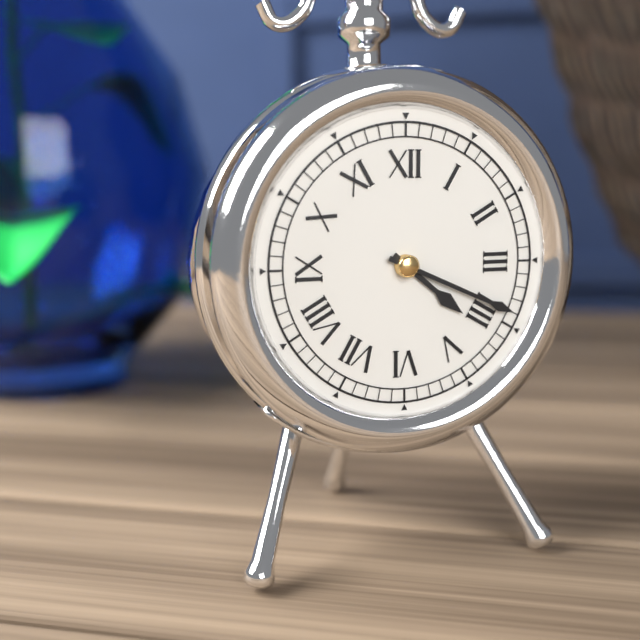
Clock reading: **4:19**
